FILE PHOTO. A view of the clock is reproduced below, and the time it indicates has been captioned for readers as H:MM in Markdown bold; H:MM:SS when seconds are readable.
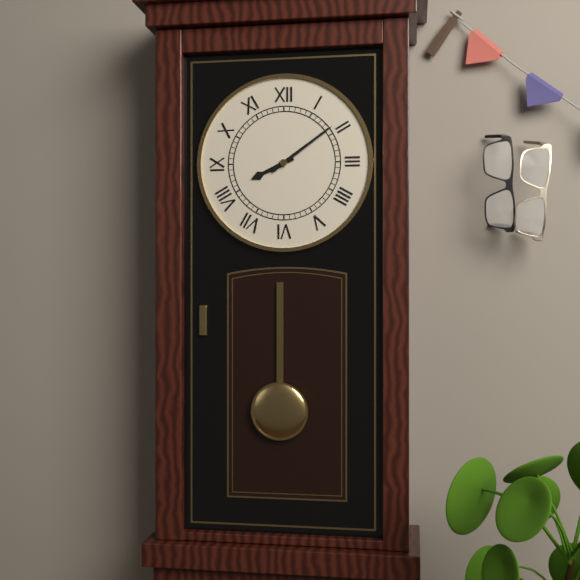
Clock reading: **8:09**
